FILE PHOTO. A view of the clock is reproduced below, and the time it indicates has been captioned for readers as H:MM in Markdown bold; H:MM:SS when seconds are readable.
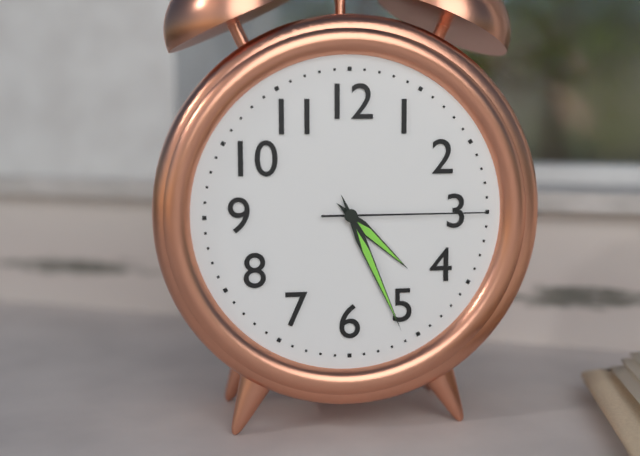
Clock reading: **4:26:15**
